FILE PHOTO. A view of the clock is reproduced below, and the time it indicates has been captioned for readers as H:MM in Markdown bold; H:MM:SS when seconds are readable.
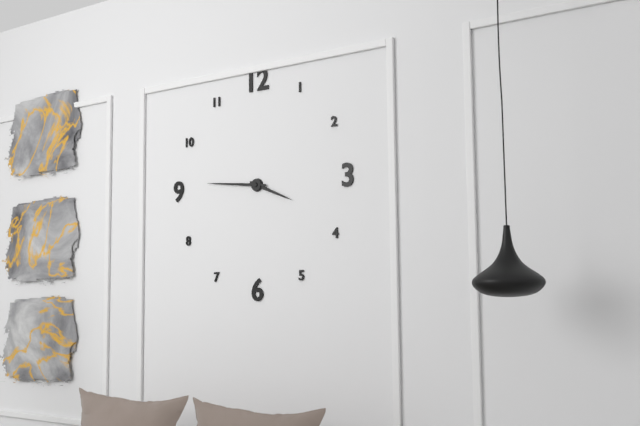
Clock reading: **3:46**
